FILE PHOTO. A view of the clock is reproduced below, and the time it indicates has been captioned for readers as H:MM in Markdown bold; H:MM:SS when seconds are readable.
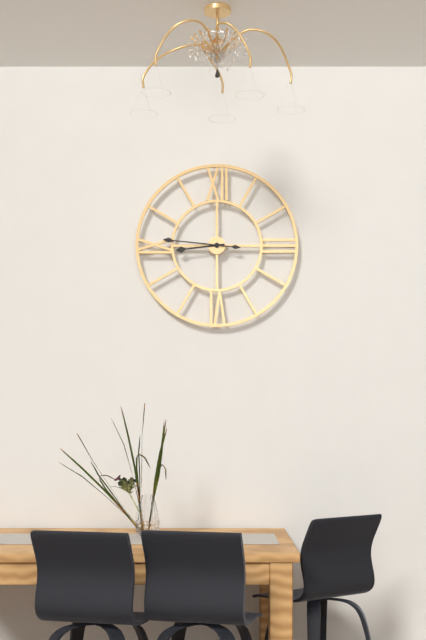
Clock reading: **8:46**
